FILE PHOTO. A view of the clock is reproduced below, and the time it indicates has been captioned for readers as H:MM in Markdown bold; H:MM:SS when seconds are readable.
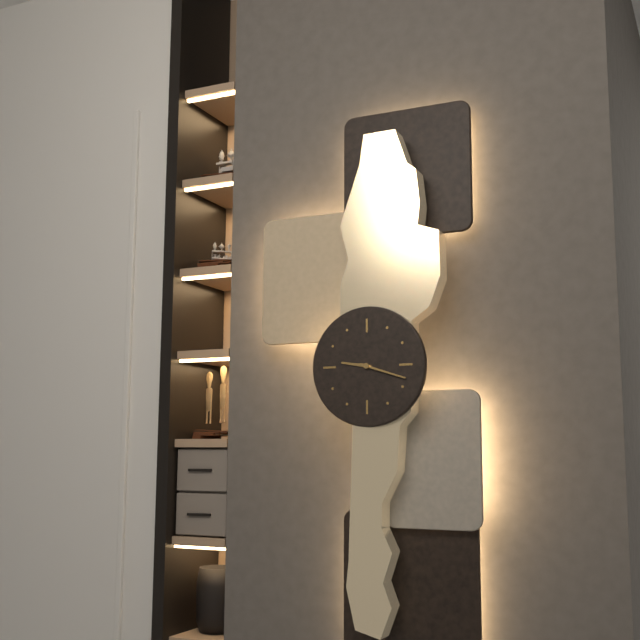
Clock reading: **9:18**
